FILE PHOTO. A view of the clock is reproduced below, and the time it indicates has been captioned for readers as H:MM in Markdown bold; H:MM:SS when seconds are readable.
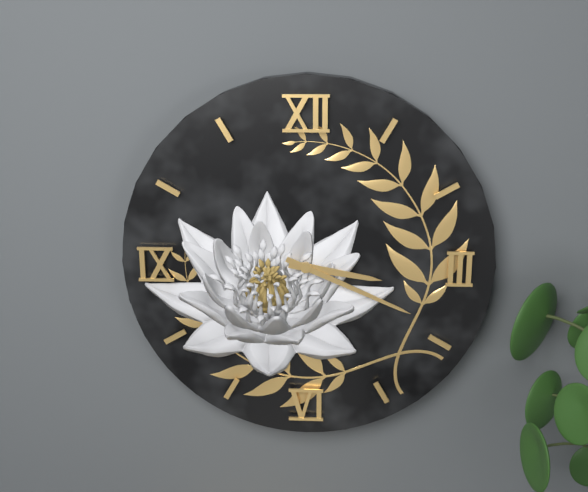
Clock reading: **3:19**
